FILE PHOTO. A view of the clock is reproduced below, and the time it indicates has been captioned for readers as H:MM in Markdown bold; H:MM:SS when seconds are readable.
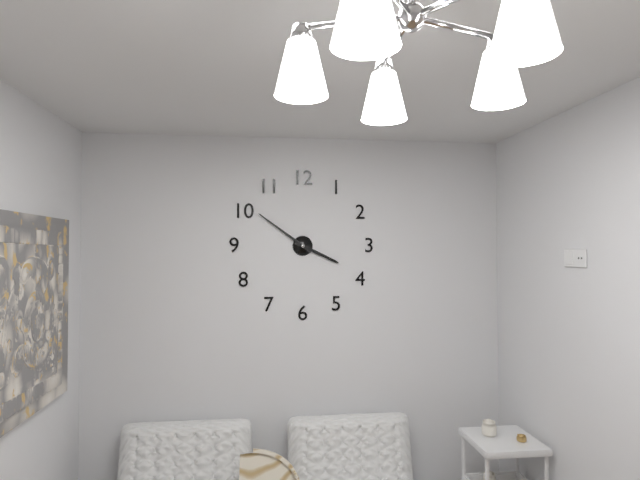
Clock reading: **3:51**
